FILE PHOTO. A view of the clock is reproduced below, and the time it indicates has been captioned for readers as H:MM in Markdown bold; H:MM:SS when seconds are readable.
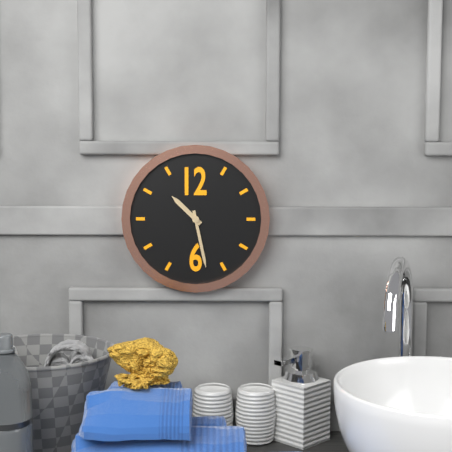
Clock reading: **10:28**
